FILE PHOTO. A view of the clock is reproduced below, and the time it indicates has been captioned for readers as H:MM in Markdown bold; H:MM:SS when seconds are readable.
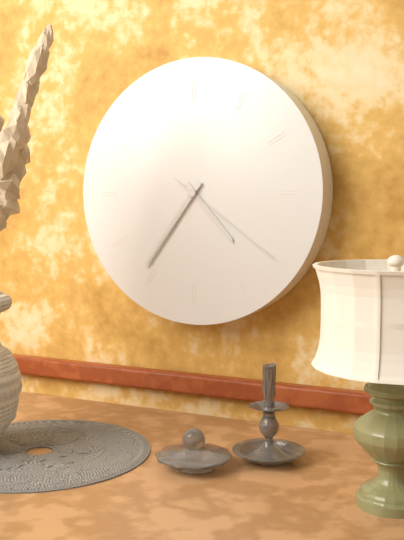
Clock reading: **4:36:21**
